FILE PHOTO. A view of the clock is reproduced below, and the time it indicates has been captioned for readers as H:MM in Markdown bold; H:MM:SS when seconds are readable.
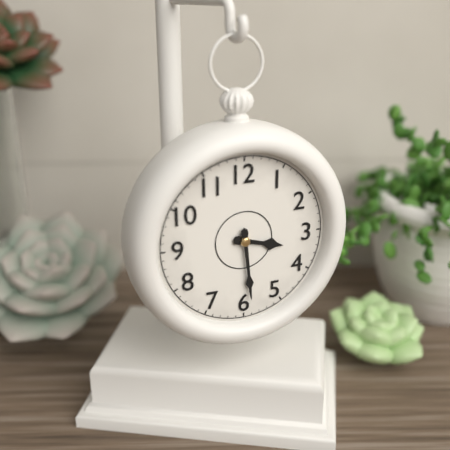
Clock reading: **3:29**
